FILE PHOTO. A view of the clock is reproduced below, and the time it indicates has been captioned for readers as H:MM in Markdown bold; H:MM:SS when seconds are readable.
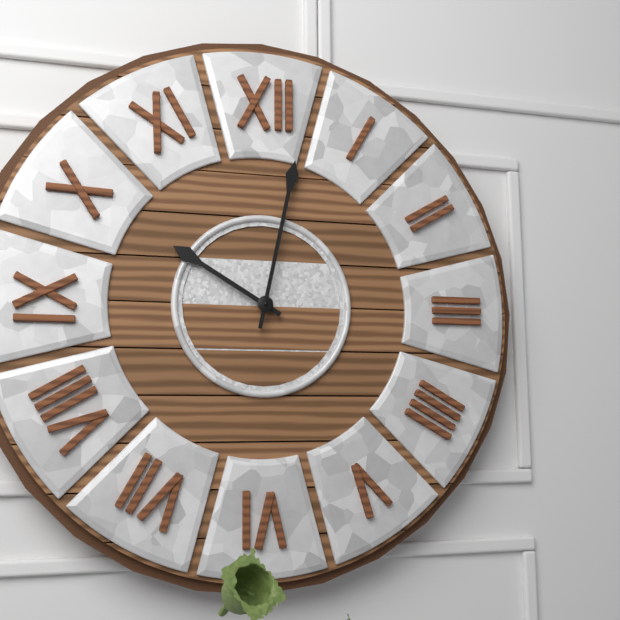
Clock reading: **10:02**
